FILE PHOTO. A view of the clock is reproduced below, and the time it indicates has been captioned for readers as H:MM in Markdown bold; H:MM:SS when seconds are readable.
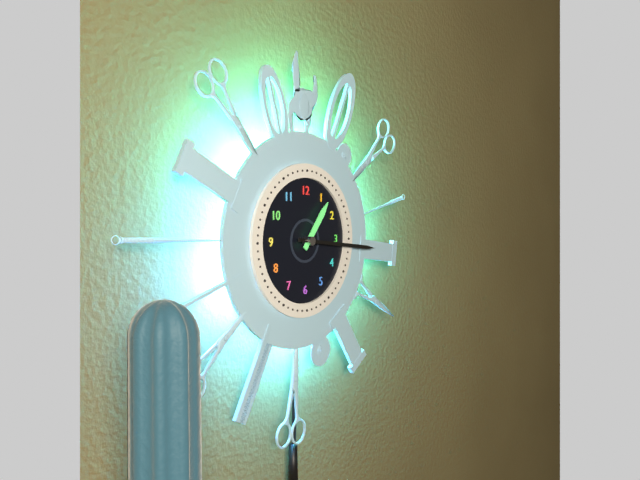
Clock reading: **1:16**
